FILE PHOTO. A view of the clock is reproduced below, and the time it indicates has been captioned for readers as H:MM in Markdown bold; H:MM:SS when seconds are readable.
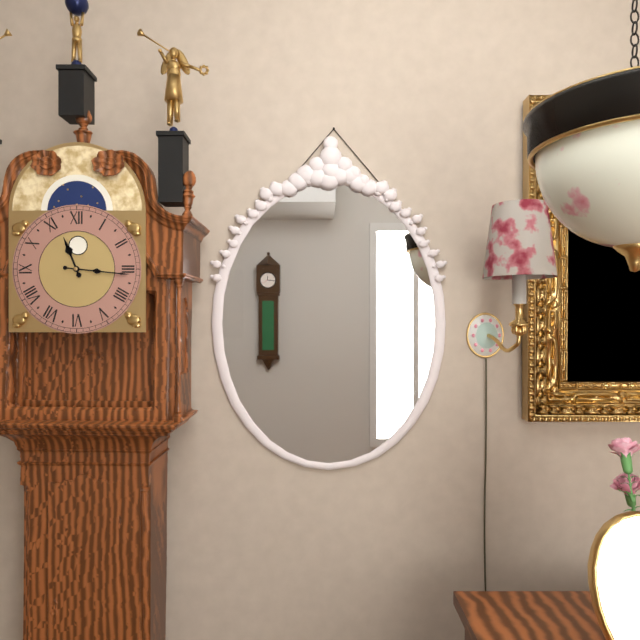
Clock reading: **11:16**
